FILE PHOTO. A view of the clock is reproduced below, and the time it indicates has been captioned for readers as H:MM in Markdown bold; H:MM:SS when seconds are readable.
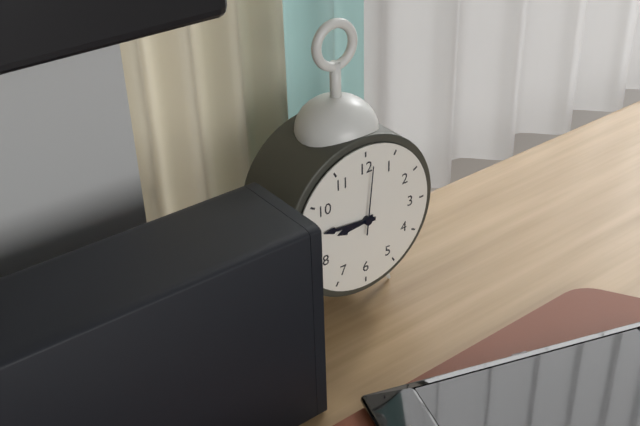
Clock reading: **8:46:01**
